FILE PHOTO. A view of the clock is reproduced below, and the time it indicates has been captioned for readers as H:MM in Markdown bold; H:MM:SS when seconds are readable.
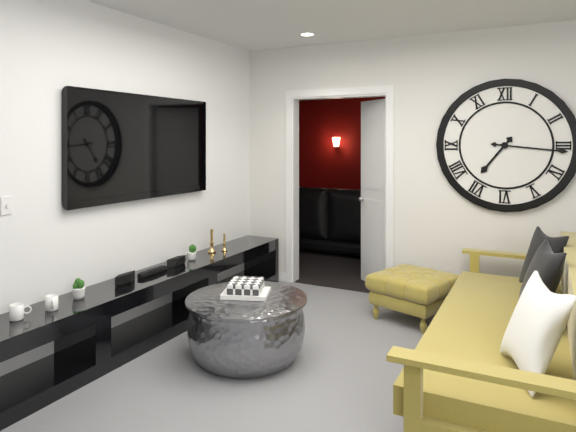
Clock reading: **7:16**
